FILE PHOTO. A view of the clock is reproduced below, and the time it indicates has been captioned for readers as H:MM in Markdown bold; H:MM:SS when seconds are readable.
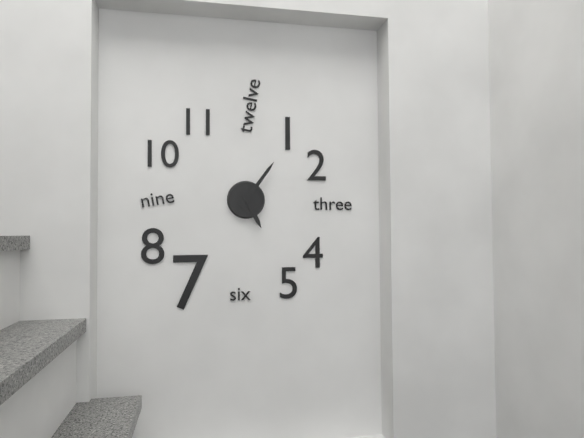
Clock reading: **5:06**
